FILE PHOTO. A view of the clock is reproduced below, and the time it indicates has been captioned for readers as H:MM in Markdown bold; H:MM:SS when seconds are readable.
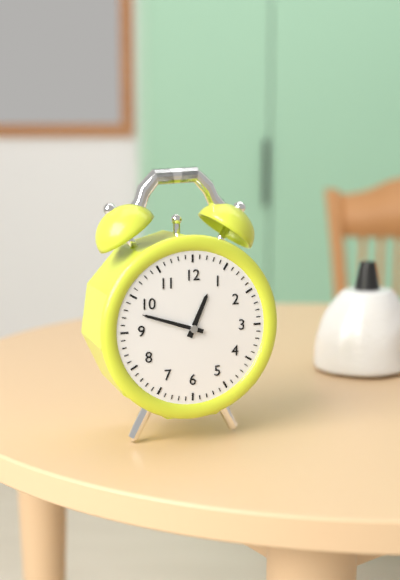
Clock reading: **12:48**
